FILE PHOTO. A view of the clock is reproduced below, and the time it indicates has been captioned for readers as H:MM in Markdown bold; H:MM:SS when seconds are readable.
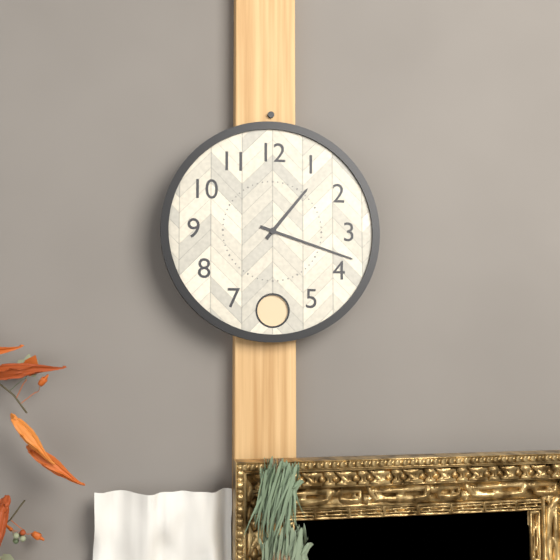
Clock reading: **1:18**
